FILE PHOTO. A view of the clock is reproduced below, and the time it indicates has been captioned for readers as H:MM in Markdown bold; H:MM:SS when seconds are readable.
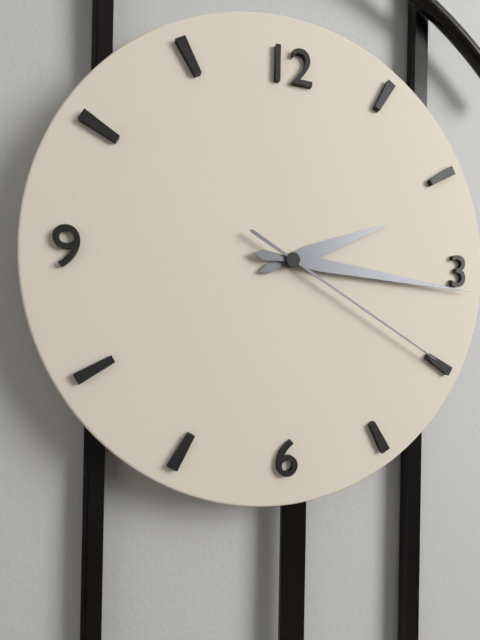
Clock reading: **2:16:20**
